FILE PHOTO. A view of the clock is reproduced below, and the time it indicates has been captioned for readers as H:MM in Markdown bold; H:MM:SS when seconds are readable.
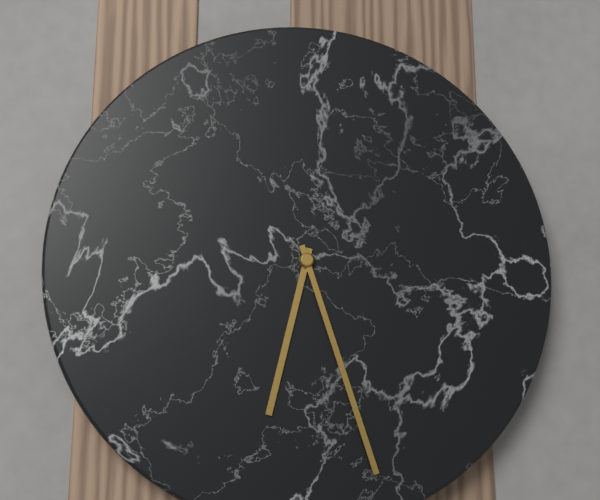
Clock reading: **6:27**
